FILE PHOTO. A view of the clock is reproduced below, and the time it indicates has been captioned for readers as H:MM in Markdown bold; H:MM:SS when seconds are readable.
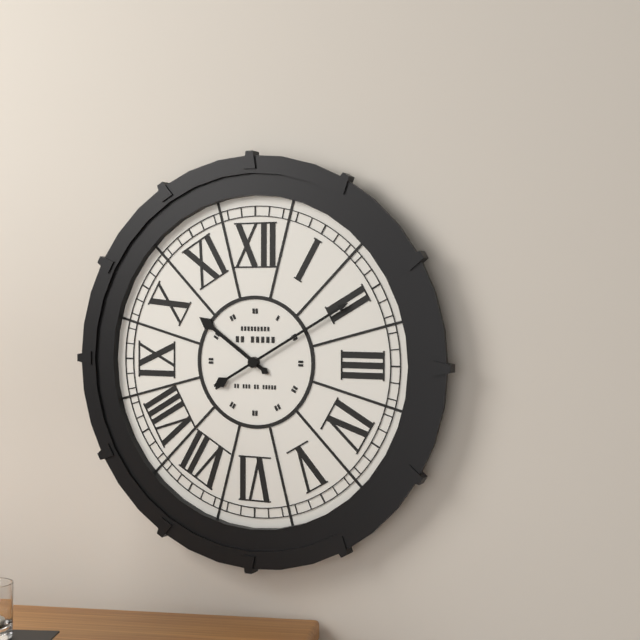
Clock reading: **10:10**
